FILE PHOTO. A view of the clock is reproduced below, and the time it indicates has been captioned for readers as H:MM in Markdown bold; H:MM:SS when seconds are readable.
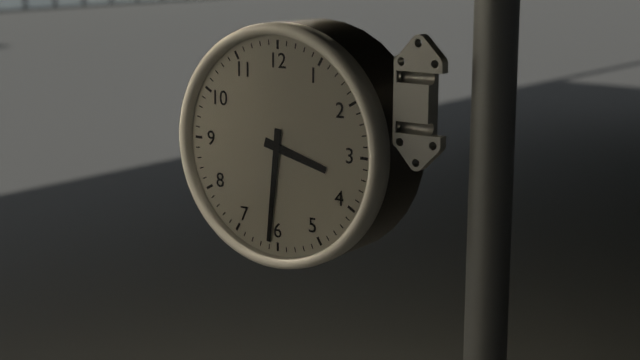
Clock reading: **3:31**
